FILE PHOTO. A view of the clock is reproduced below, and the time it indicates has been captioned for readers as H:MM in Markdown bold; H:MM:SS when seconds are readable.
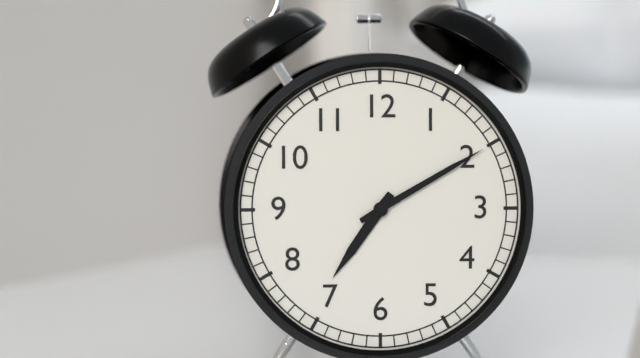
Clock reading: **7:10**
